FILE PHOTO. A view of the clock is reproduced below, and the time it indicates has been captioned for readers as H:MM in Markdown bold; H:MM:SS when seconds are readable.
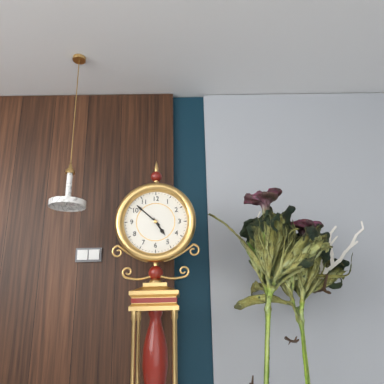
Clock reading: **4:52**
